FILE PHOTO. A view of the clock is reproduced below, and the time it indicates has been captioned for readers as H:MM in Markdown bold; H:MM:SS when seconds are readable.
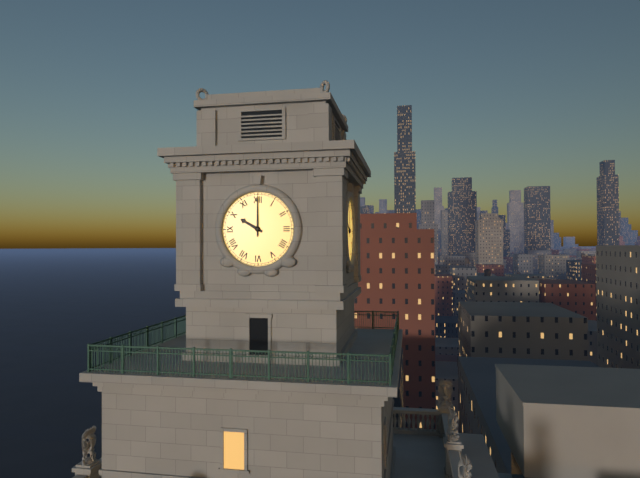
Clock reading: **10:00**
